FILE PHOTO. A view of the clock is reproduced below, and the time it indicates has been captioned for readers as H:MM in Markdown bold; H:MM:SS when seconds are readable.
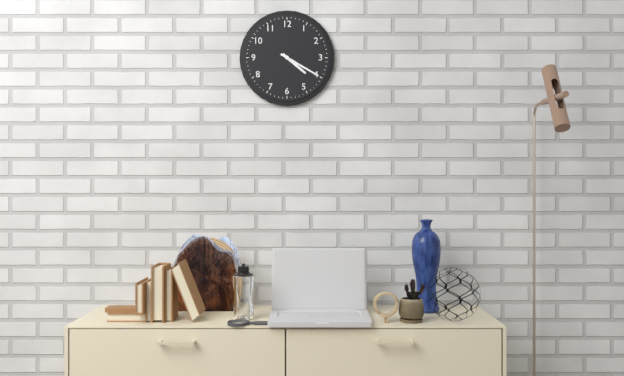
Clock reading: **4:20**
